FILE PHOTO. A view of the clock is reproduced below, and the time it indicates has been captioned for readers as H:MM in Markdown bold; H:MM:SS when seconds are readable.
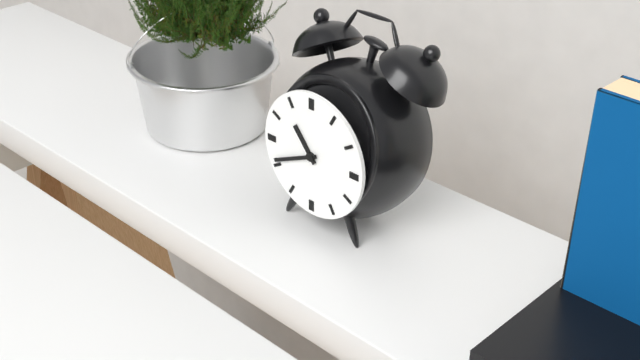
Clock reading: **10:41**
